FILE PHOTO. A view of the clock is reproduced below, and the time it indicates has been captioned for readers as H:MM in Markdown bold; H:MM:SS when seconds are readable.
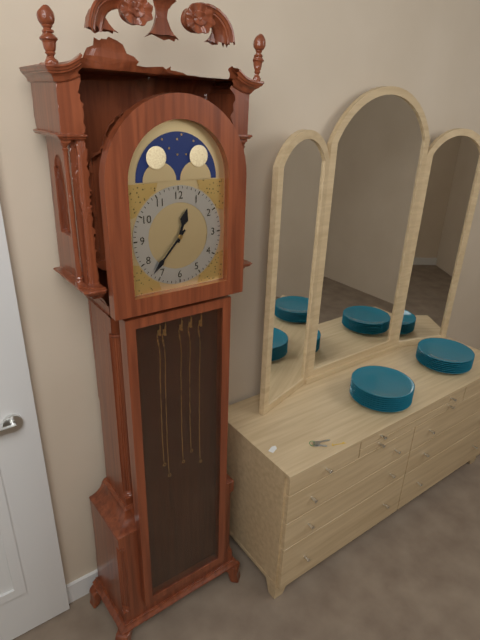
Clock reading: **12:37**
